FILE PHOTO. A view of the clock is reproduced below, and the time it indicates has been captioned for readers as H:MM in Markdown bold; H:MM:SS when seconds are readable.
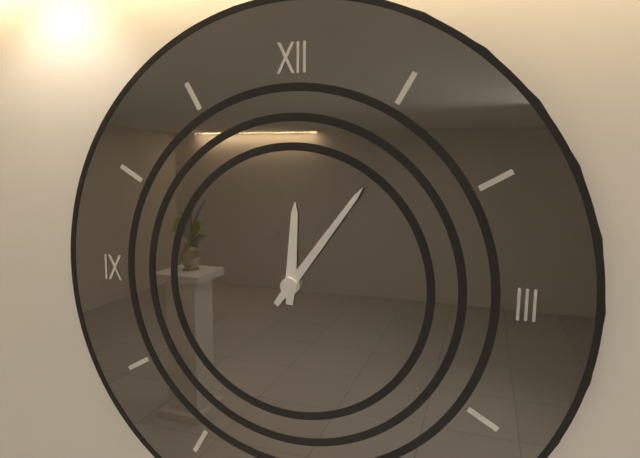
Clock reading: **12:06**
